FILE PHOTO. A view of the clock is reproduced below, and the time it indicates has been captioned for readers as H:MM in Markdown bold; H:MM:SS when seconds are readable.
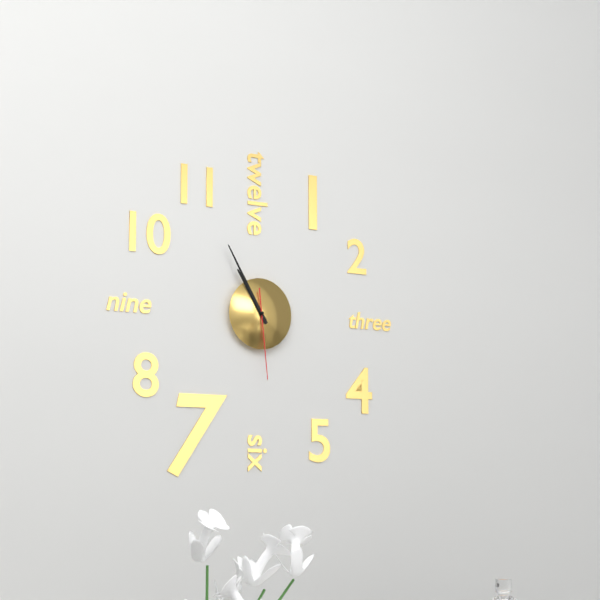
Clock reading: **10:55:29**
